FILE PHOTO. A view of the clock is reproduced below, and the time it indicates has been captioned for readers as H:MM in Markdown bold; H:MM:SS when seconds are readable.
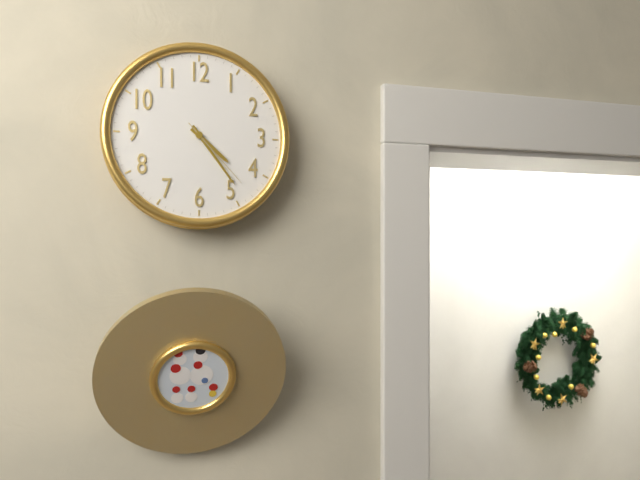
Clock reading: **4:24:23**
